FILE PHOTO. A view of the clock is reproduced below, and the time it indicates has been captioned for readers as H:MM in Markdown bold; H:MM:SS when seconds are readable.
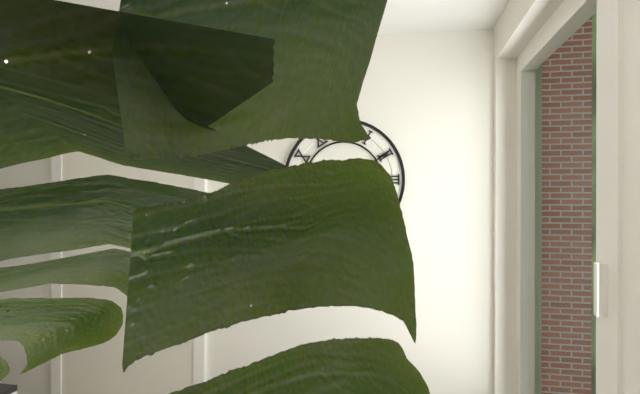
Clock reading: **2:10**
